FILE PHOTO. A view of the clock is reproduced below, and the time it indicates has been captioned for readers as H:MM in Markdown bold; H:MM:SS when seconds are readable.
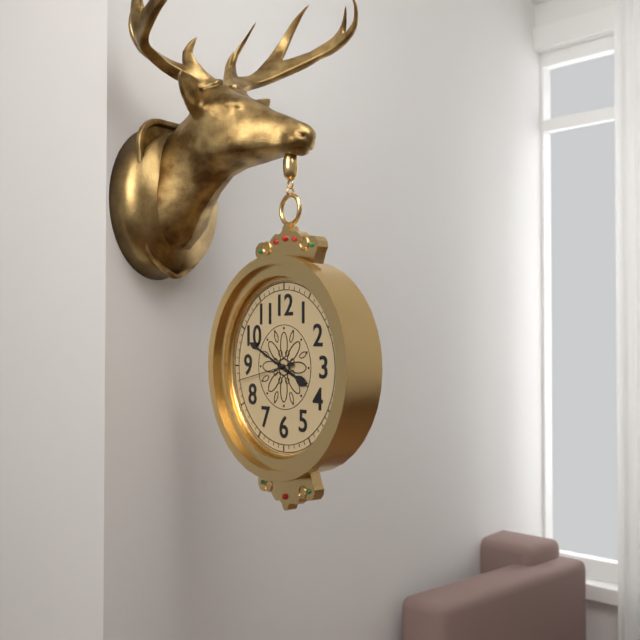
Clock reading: **3:49:43**
